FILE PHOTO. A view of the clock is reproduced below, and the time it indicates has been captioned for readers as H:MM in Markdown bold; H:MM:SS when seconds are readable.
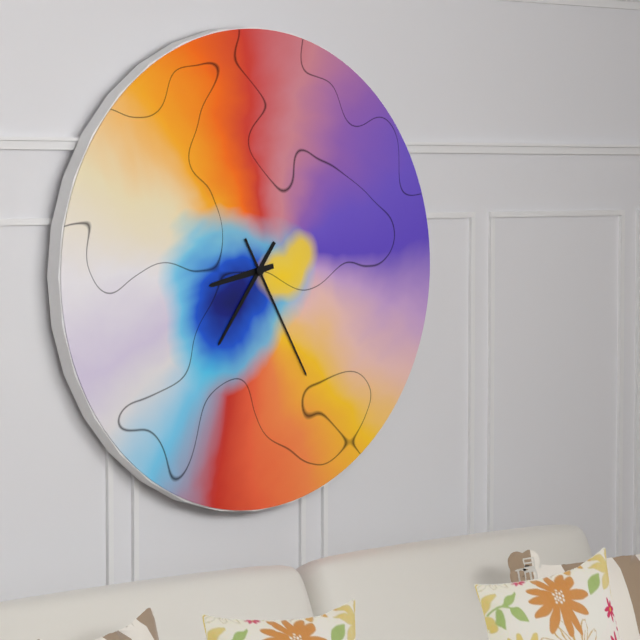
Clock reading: **8:36:25**
